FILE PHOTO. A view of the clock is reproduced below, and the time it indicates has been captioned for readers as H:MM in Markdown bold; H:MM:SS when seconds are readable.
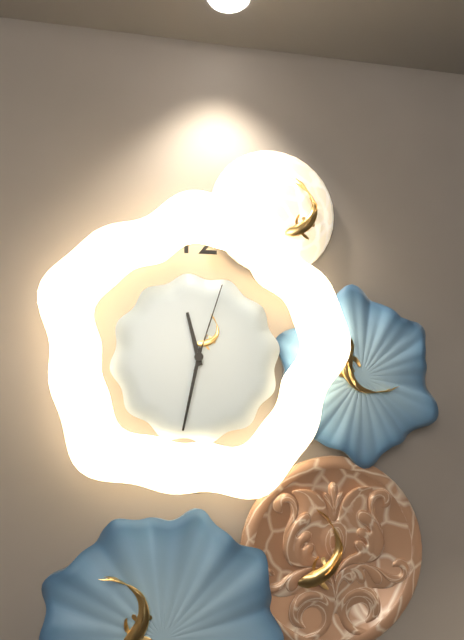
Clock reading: **11:32:03**
